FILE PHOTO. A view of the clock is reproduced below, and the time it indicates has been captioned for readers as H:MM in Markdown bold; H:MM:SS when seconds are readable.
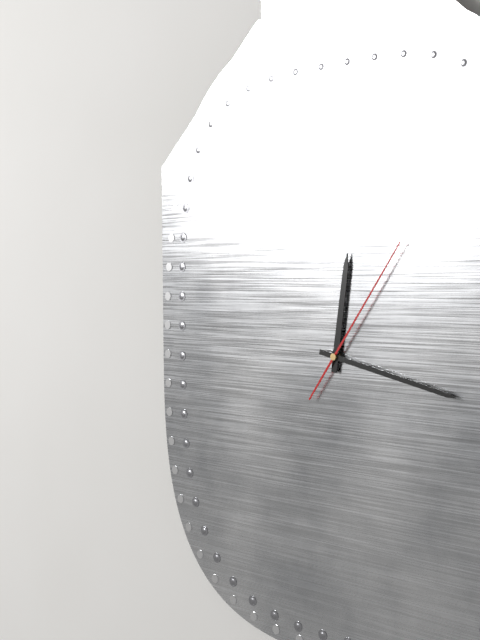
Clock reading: **12:17:06**
